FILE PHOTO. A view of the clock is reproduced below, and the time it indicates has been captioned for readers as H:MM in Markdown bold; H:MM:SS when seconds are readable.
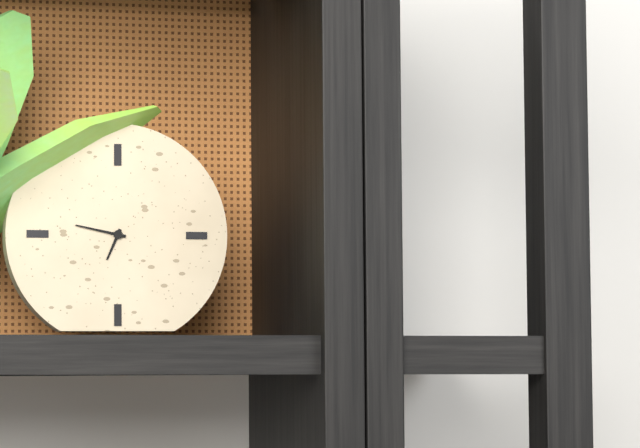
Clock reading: **6:47**
